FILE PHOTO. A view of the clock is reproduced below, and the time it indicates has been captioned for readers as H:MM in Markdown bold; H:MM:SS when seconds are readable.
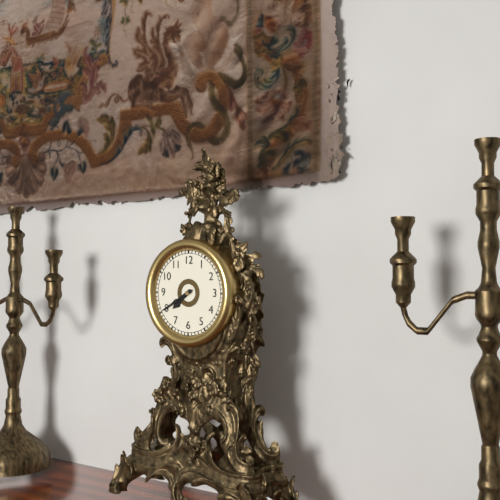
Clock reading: **7:40**
